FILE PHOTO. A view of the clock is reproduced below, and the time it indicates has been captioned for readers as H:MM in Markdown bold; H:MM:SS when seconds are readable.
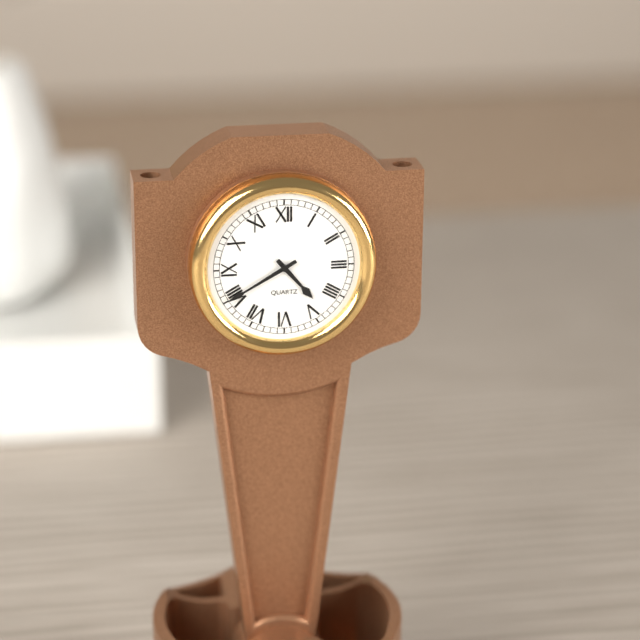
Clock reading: **4:40**
